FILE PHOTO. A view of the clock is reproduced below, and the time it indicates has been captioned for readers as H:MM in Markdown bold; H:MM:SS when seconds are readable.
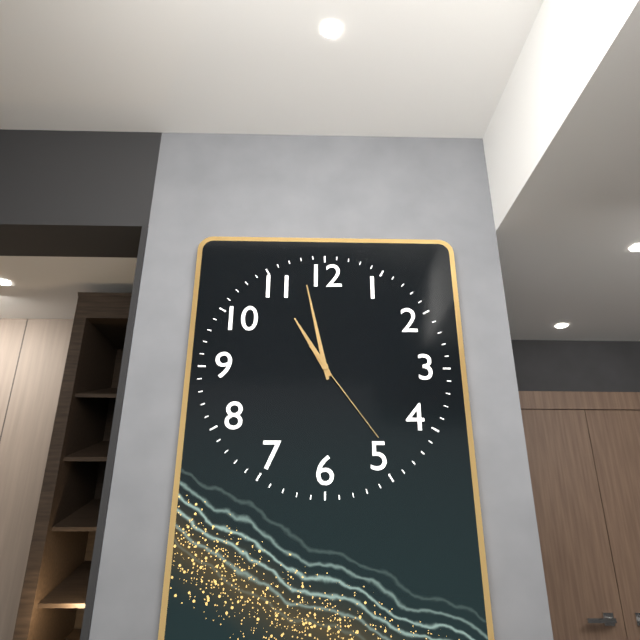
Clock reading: **10:58:24**
